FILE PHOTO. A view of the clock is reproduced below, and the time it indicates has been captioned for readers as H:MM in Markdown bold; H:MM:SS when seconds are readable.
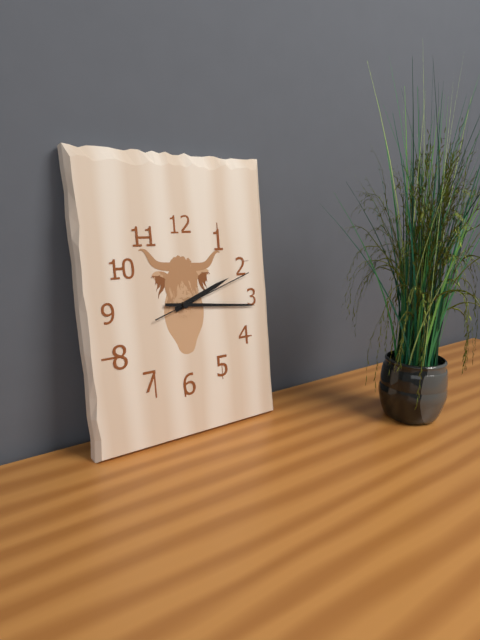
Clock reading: **2:16:12**
